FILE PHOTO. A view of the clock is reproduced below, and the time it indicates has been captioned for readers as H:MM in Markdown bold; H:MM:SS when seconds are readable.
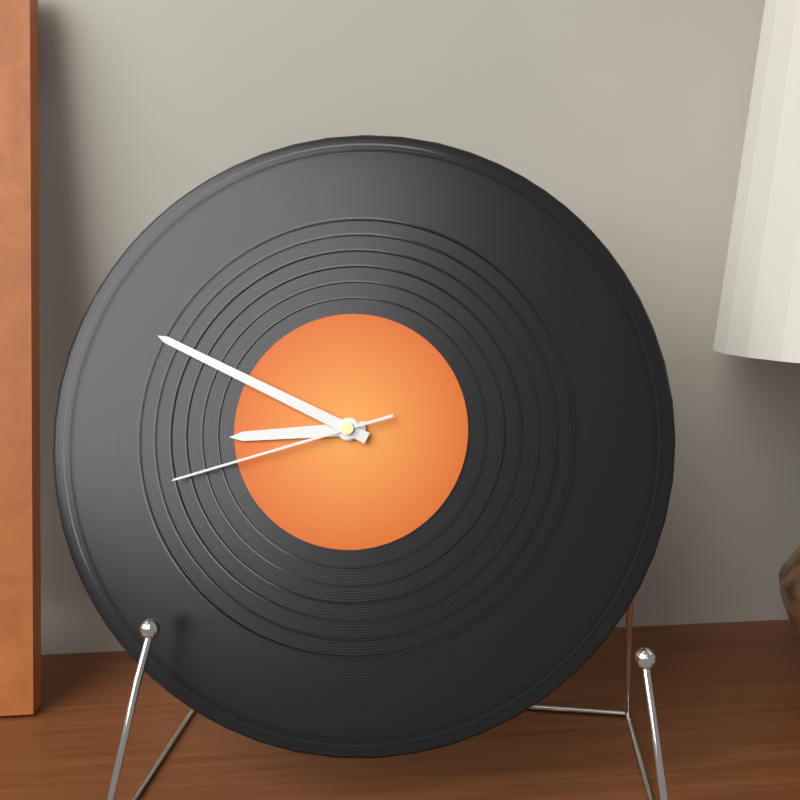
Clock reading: **8:49:42**
